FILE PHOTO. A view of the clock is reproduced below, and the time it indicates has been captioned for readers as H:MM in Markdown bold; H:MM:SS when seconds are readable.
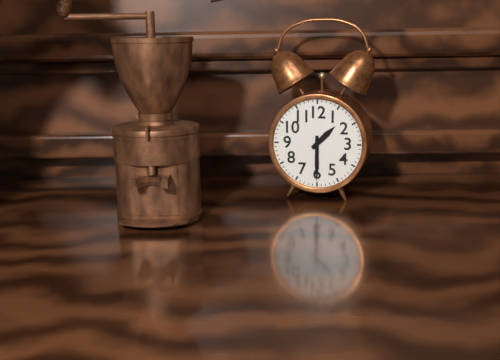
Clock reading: **1:30**
